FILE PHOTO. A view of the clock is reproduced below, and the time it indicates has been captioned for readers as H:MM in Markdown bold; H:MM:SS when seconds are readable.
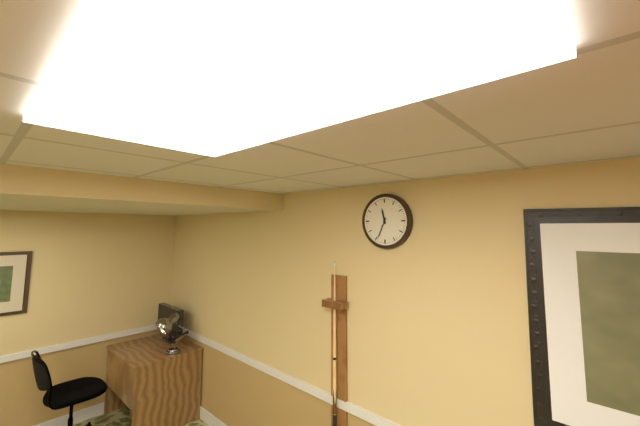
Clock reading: **11:34**
